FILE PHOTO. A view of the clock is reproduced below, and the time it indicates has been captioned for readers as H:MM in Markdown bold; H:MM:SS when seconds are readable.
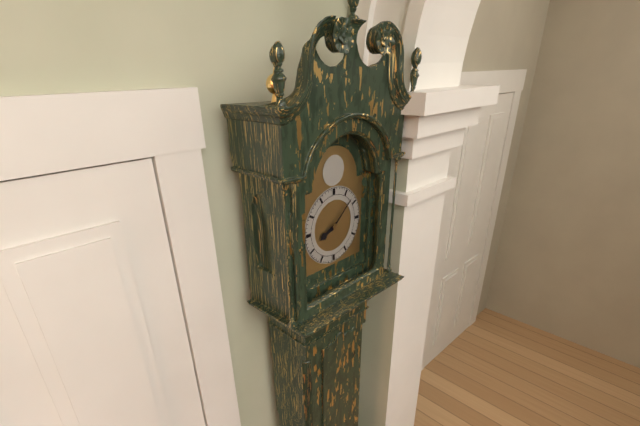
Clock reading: **8:08**
